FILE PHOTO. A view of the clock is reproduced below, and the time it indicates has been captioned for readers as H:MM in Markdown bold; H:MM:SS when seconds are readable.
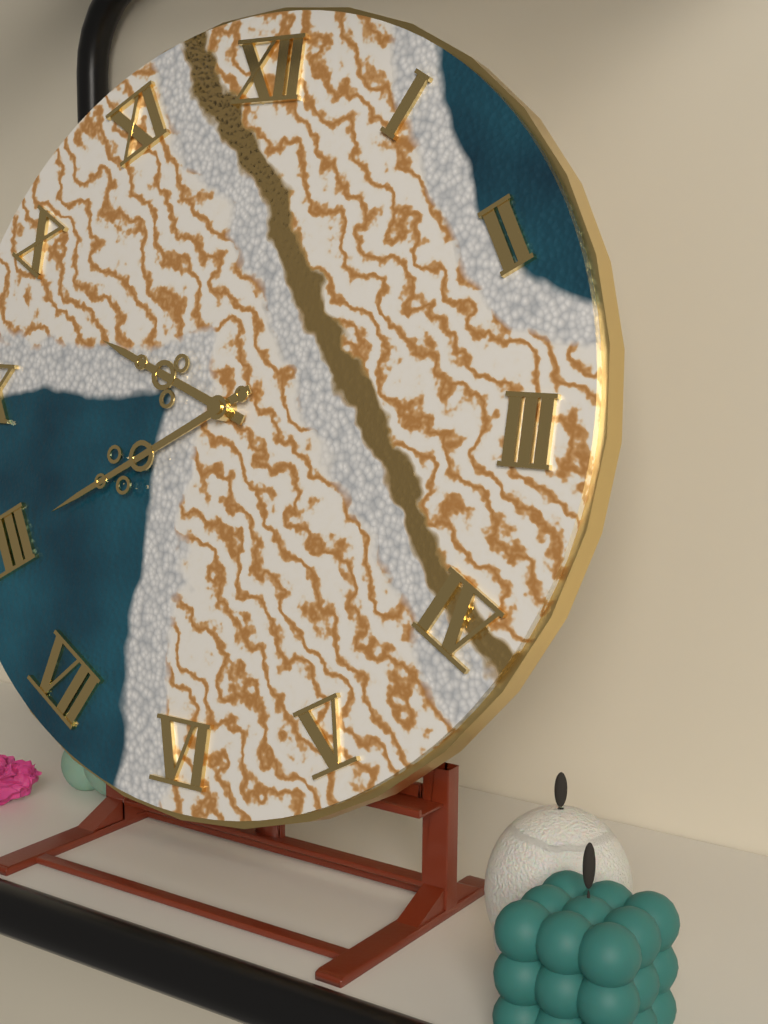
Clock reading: **9:40**
